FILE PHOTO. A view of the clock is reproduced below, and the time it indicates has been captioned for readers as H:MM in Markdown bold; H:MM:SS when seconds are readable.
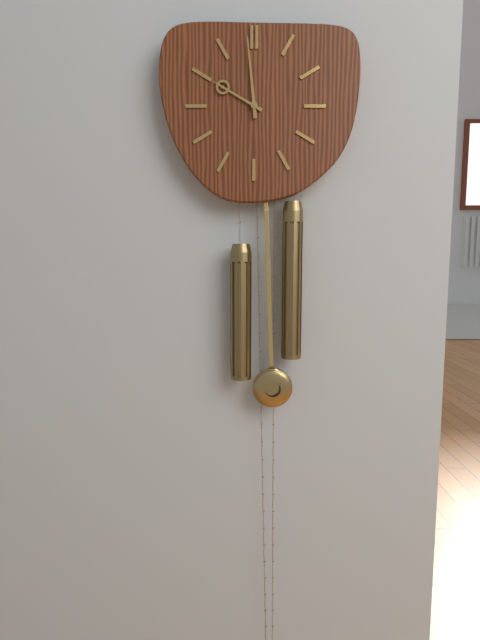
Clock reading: **9:59**
